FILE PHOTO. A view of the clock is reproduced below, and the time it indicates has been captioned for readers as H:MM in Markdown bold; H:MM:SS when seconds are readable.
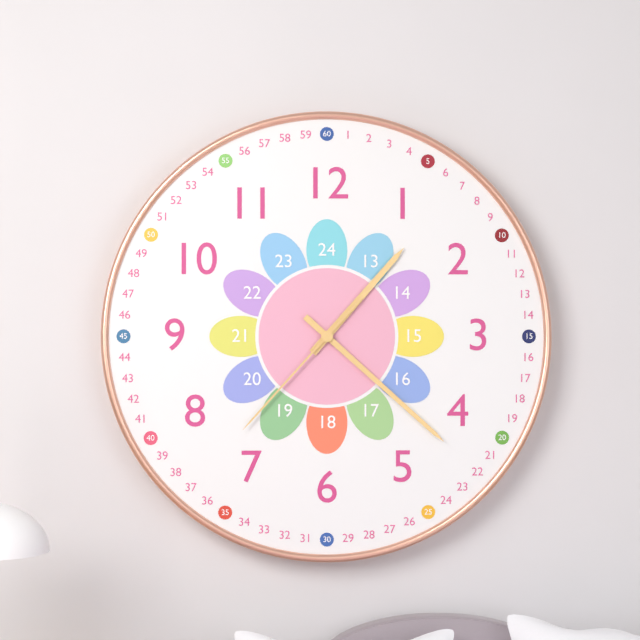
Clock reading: **1:22:37**
